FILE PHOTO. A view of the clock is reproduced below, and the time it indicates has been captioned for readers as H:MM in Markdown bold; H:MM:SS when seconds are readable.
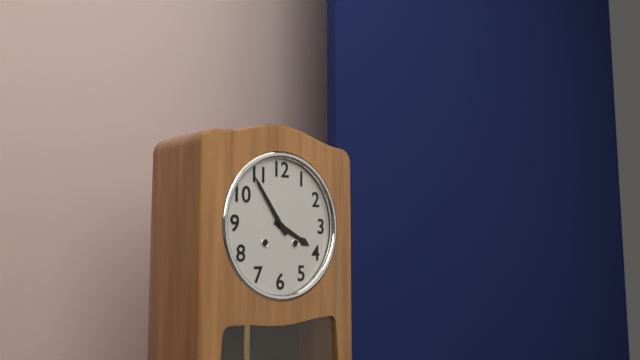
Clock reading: **3:54**
